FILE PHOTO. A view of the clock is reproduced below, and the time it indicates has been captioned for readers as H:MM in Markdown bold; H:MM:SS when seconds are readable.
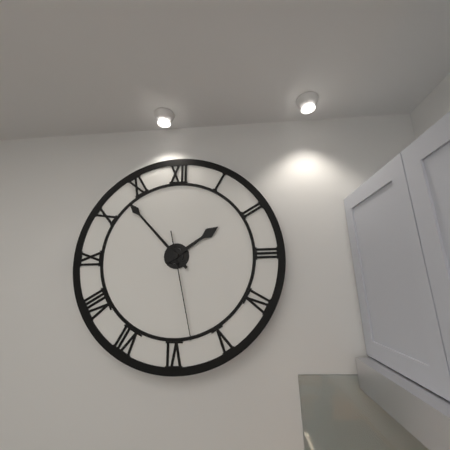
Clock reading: **1:53:28**
